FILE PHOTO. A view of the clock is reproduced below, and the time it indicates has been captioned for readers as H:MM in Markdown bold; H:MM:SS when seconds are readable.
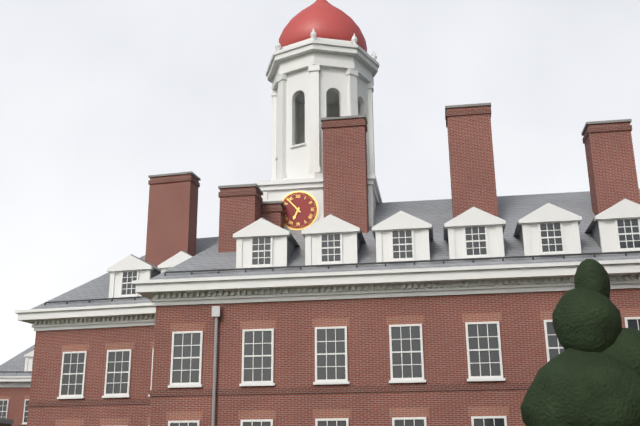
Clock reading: **6:53**
